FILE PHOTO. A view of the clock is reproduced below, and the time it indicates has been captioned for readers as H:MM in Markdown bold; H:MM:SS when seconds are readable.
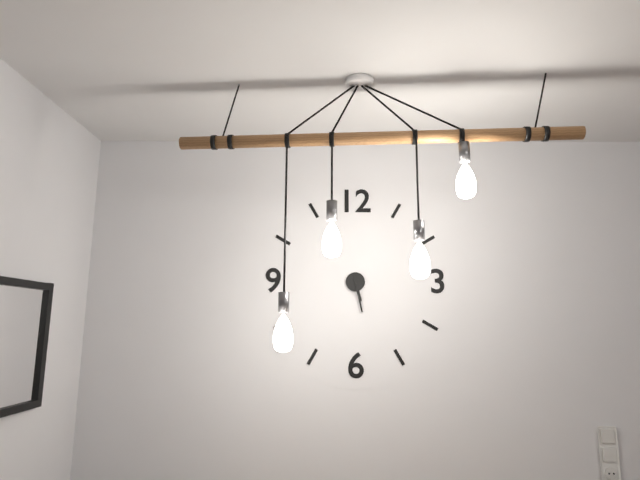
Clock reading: **5:28**
